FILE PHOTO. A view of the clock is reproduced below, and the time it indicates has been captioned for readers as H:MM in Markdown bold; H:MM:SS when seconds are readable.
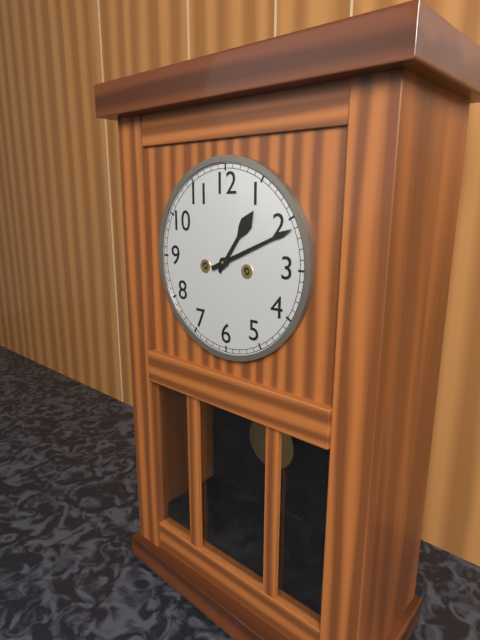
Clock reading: **1:11**
